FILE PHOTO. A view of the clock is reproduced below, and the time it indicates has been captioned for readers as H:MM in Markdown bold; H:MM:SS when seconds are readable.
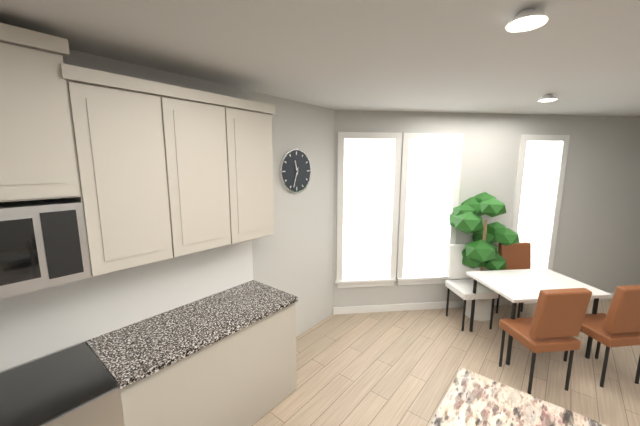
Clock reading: **11:33**
